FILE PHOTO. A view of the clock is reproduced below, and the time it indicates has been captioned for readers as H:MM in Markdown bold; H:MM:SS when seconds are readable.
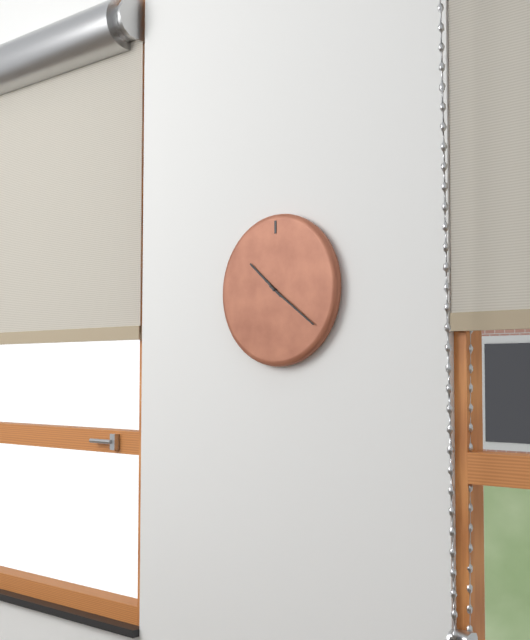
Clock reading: **10:21**
